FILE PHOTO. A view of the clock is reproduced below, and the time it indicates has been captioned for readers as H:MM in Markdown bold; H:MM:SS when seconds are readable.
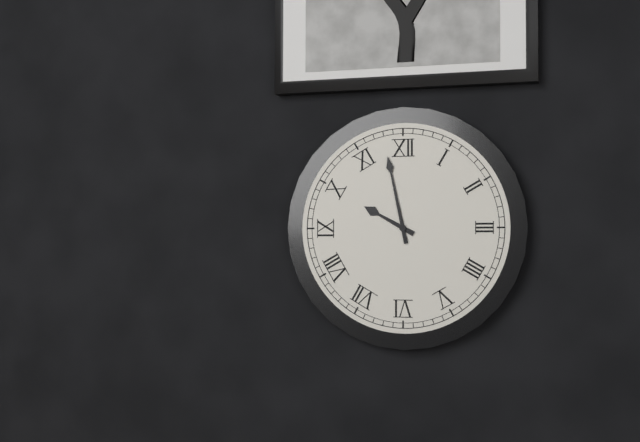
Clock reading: **9:58**
